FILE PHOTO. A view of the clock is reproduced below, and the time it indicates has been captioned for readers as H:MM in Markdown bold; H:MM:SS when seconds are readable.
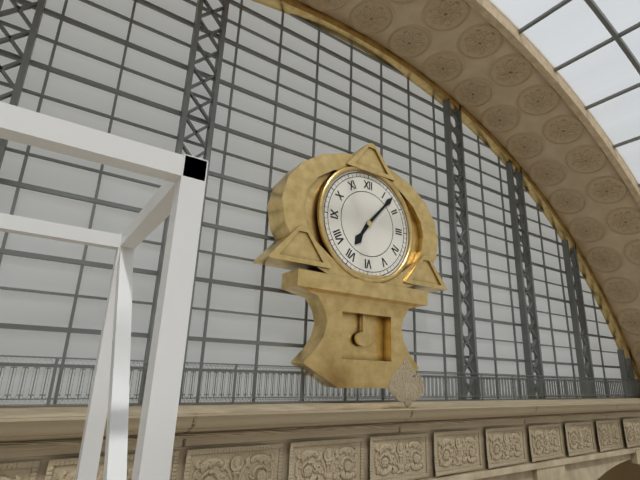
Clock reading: **7:07**
